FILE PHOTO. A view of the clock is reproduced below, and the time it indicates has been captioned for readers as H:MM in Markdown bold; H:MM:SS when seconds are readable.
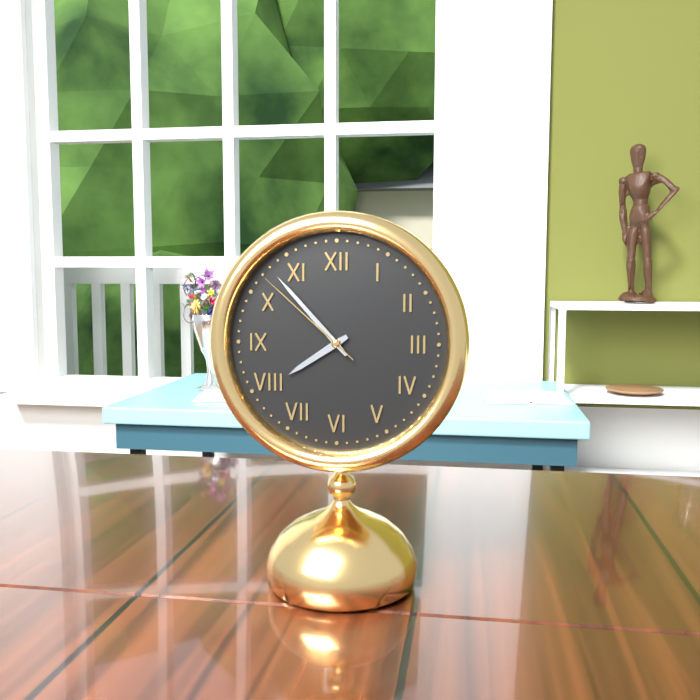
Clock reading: **7:53:52**
